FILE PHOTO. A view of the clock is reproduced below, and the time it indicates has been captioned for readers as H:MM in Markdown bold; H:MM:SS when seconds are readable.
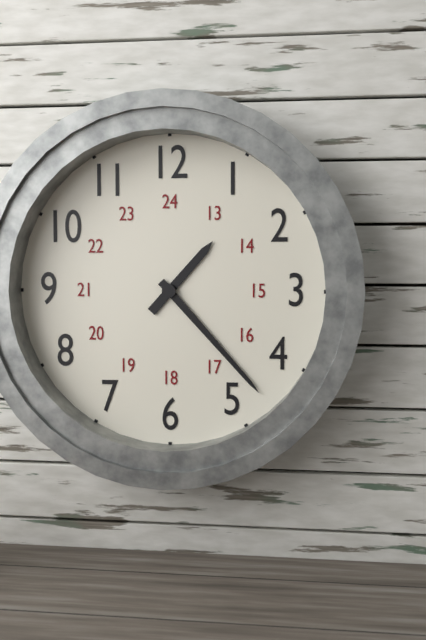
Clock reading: **1:23**
